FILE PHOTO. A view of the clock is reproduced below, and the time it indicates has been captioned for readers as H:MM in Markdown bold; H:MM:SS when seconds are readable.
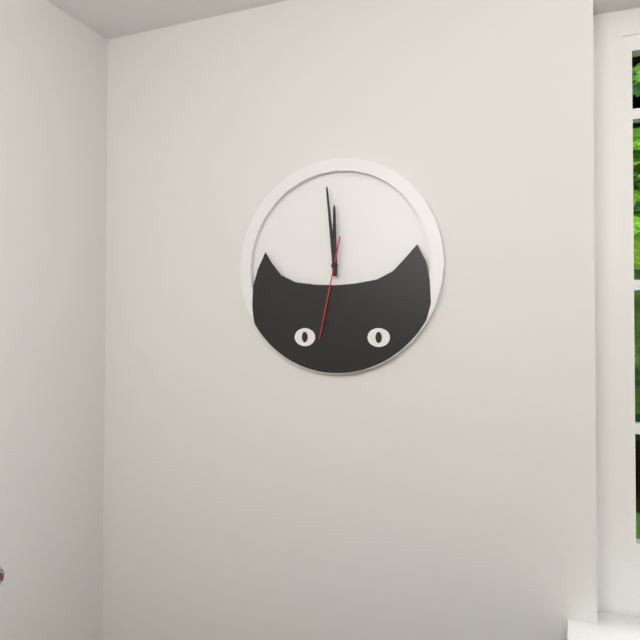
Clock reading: **11:59:32**
